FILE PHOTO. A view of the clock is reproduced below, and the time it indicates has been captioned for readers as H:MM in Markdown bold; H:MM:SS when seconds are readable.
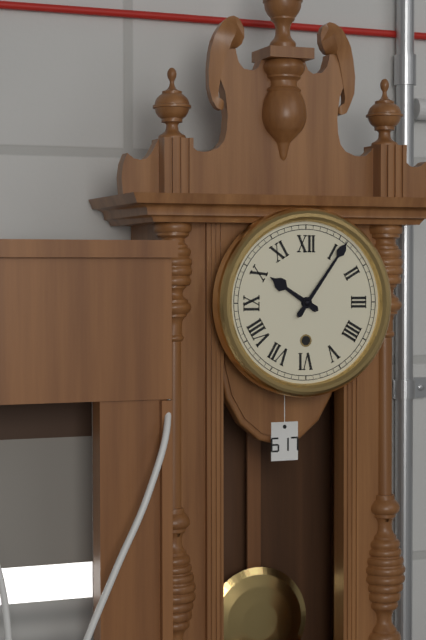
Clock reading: **10:06**
